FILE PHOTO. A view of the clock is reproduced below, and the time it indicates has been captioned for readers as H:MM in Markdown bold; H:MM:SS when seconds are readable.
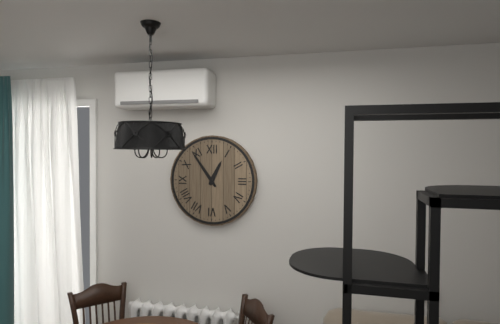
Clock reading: **12:54**
